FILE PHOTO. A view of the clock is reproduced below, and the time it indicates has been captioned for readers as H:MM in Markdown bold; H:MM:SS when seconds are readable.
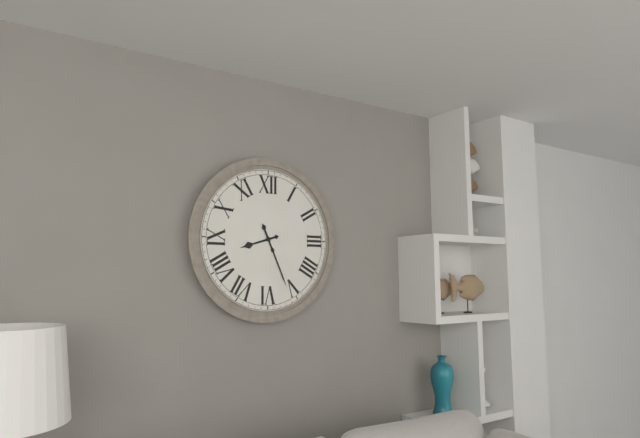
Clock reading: **8:26**
